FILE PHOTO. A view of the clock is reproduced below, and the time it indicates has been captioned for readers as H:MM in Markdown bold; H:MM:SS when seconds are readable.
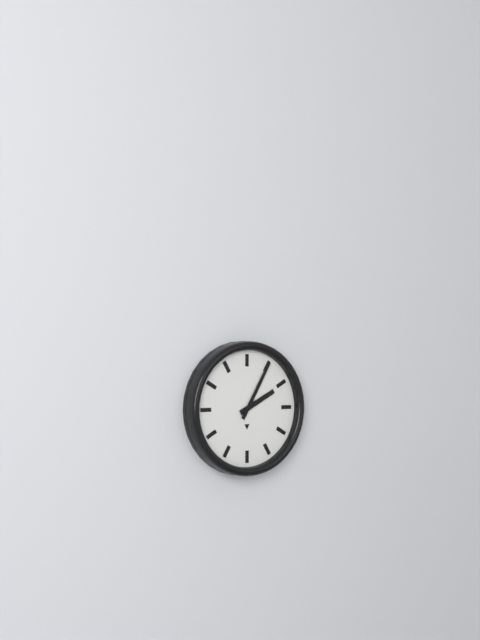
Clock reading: **2:05**
